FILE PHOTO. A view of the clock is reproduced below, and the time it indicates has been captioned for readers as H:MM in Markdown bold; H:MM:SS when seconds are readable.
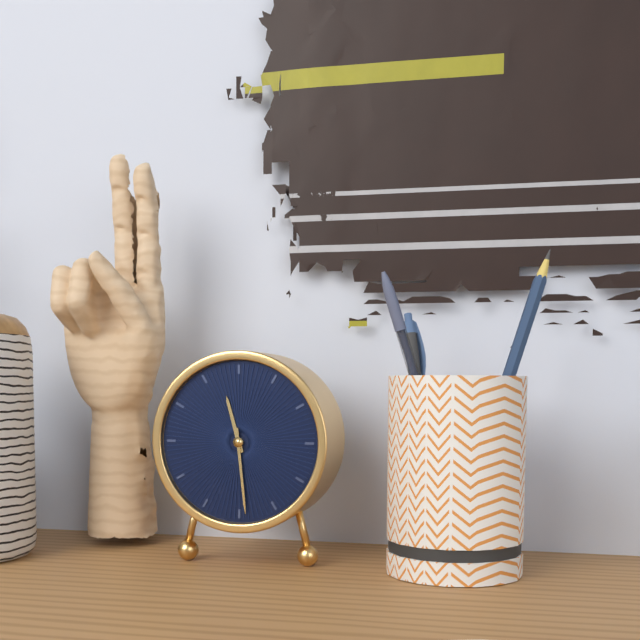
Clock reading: **11:29**
